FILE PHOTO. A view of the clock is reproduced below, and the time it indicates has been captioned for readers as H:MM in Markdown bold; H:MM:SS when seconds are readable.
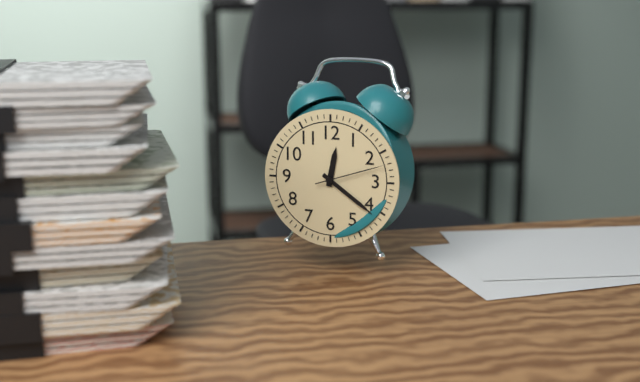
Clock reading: **12:21:12**
